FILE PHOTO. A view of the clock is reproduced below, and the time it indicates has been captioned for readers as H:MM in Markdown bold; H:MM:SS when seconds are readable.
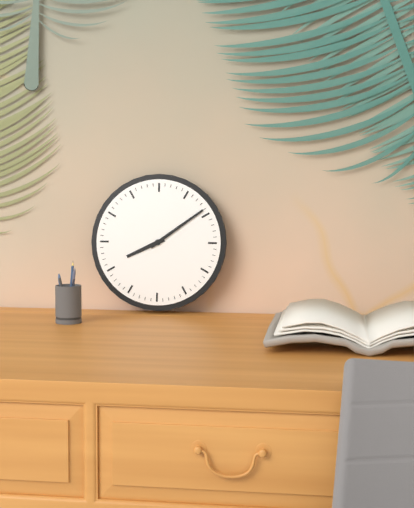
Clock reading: **8:09**
